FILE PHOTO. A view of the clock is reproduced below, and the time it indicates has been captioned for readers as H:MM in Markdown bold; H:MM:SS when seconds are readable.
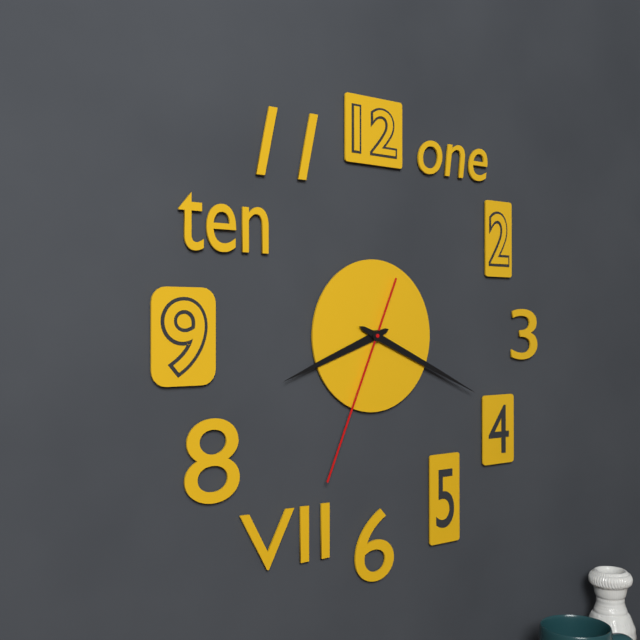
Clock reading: **8:19:34**
